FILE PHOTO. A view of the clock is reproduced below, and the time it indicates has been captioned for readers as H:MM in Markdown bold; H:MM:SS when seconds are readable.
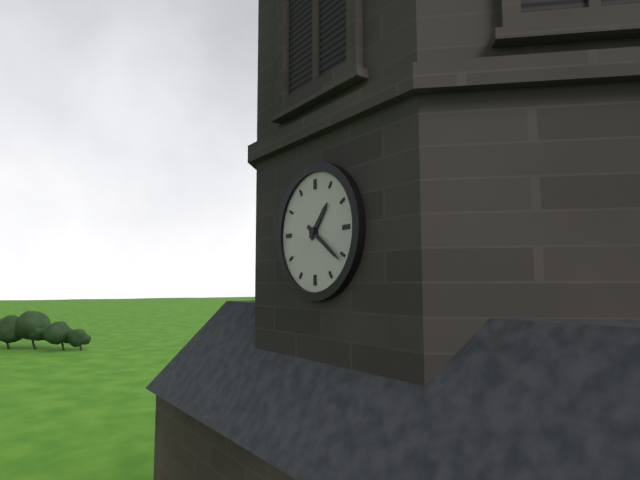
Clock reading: **1:21**
